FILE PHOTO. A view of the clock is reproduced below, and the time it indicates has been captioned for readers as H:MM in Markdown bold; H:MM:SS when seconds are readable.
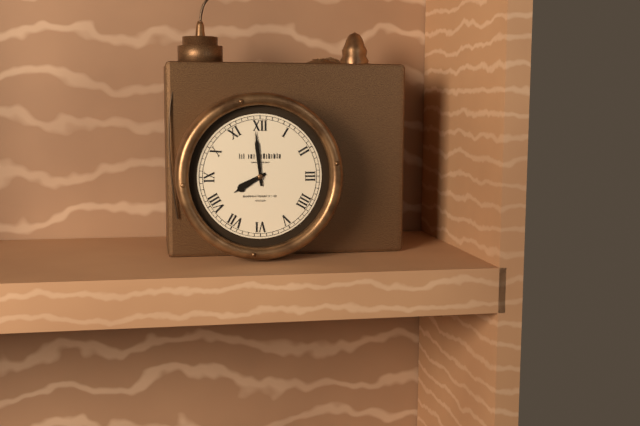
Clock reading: **7:59**
